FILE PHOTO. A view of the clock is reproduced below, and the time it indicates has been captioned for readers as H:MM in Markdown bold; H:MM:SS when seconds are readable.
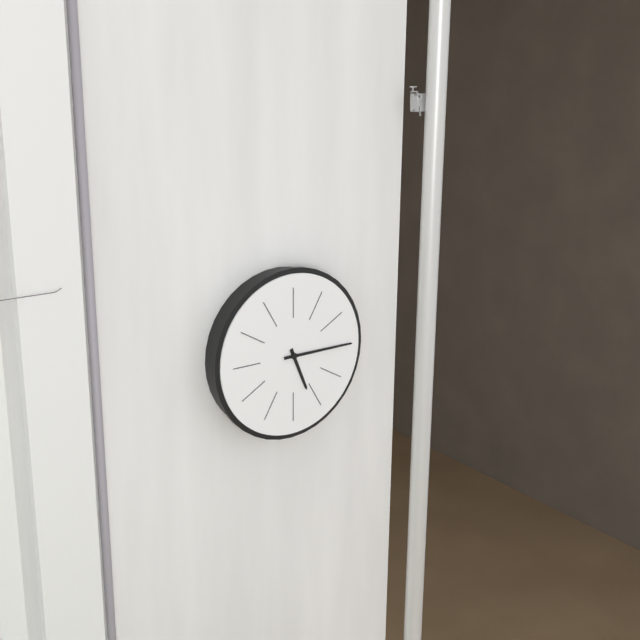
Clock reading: **5:15**
